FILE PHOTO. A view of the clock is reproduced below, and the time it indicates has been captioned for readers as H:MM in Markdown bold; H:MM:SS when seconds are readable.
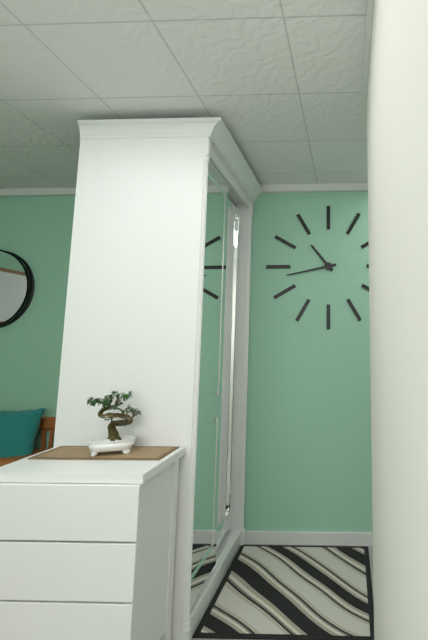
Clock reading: **10:43**
